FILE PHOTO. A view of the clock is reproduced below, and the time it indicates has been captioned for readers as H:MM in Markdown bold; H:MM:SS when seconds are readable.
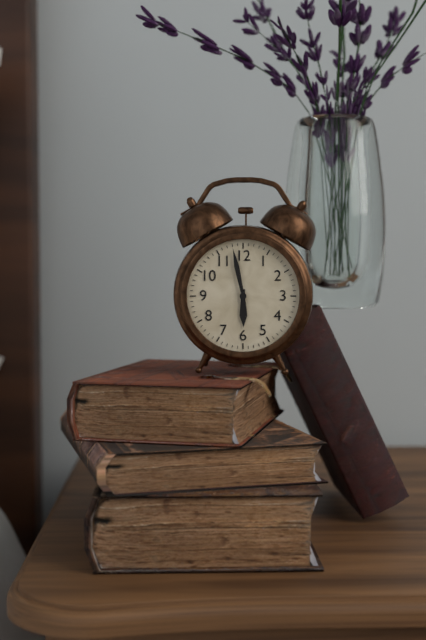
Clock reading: **5:58**
